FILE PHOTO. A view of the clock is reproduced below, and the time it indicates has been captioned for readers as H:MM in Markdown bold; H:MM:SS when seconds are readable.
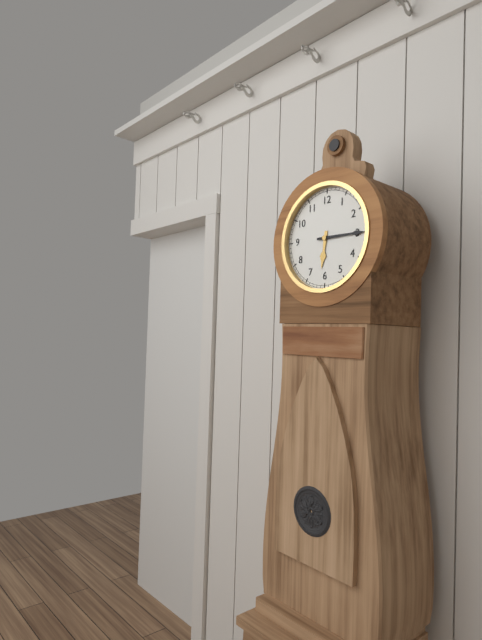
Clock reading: **6:15**
